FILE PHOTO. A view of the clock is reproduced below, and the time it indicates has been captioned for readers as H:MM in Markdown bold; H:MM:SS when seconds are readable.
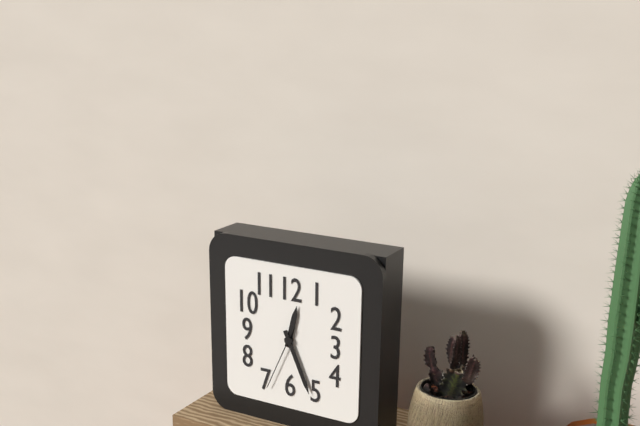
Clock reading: **12:26:34**
